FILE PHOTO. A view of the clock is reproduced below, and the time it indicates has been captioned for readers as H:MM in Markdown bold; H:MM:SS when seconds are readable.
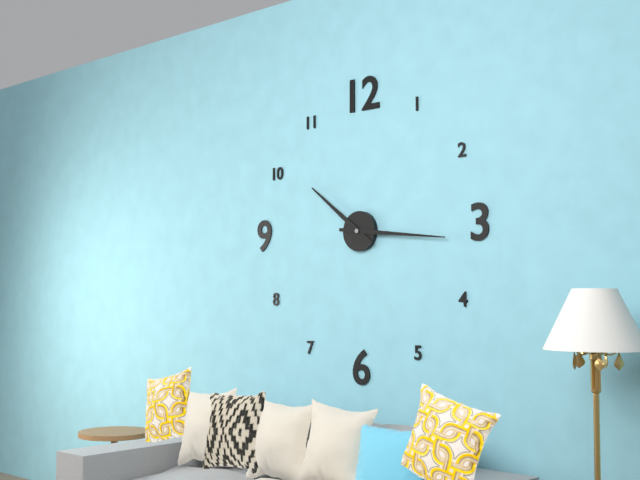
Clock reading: **10:16**
